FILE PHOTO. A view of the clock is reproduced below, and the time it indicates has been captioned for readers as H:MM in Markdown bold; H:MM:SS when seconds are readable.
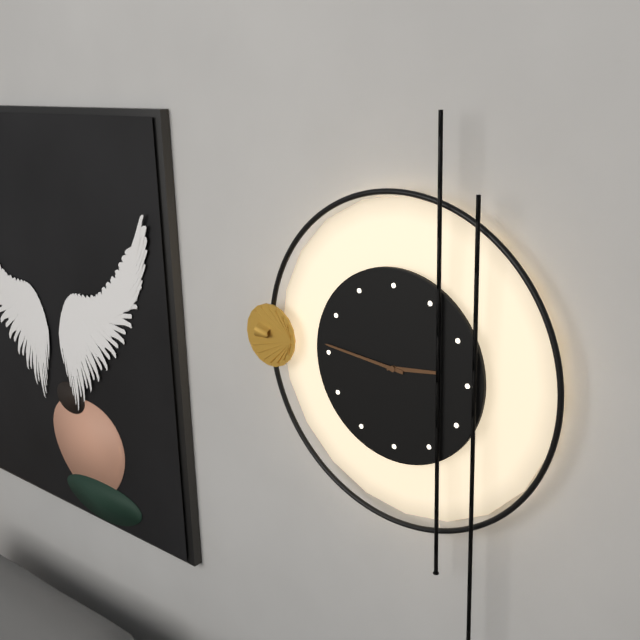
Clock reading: **2:46**
